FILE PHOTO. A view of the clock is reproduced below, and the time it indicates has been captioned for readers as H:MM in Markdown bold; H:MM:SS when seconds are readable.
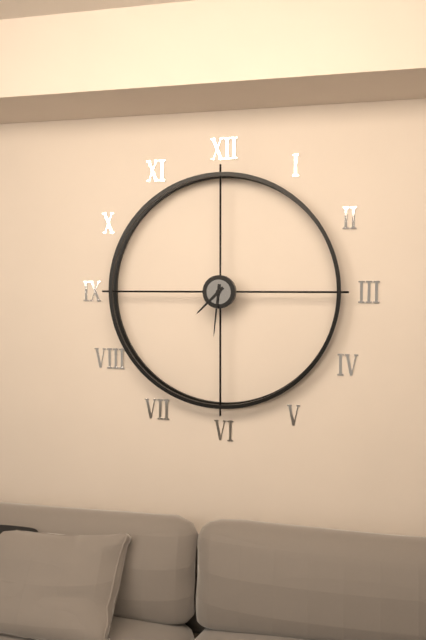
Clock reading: **7:31**
